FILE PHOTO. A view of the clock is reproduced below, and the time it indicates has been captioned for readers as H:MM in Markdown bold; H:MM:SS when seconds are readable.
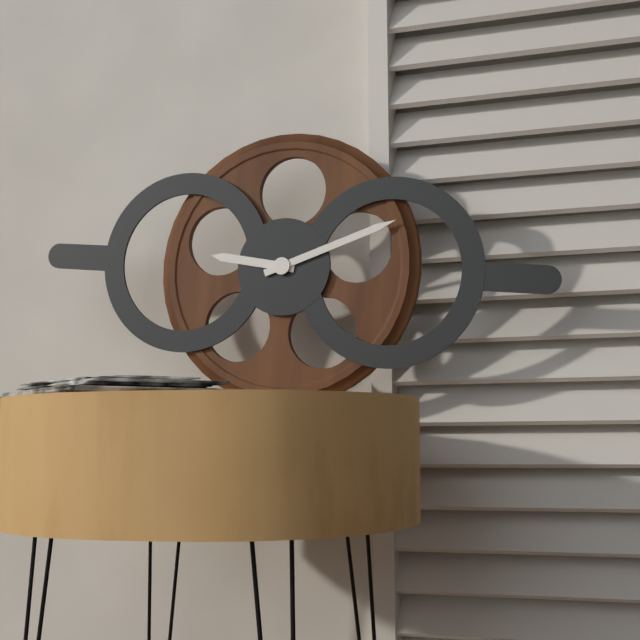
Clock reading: **9:11**
